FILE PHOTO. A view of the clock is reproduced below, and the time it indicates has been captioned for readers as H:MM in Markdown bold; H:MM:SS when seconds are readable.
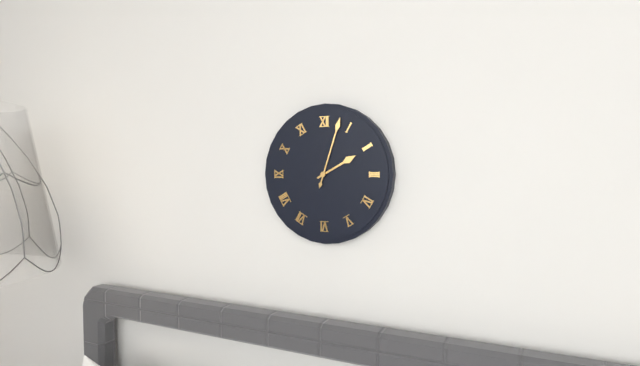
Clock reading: **2:03**
